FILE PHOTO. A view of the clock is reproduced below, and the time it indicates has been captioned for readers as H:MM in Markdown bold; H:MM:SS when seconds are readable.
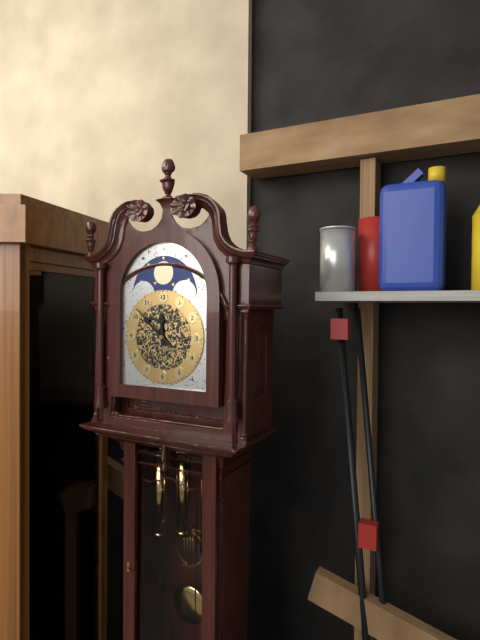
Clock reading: **11:52**
